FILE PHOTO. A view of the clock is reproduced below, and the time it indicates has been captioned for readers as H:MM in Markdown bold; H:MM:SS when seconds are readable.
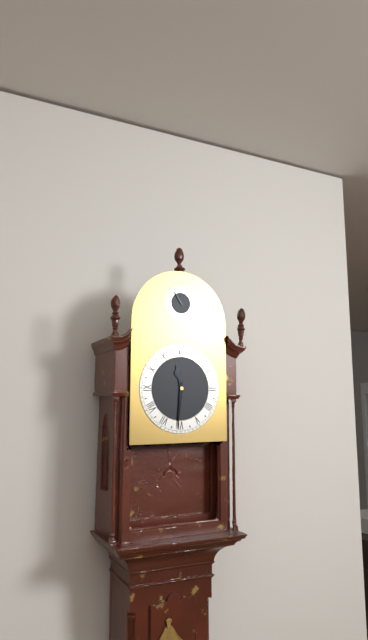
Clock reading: **11:31**
